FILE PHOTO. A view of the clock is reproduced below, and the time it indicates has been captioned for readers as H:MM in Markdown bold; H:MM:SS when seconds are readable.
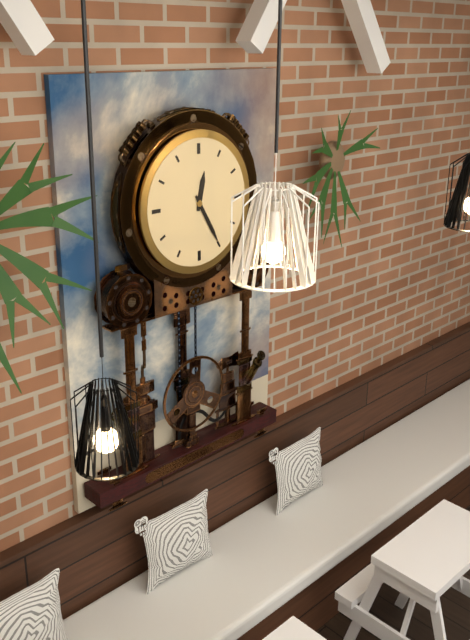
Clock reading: **12:25**
